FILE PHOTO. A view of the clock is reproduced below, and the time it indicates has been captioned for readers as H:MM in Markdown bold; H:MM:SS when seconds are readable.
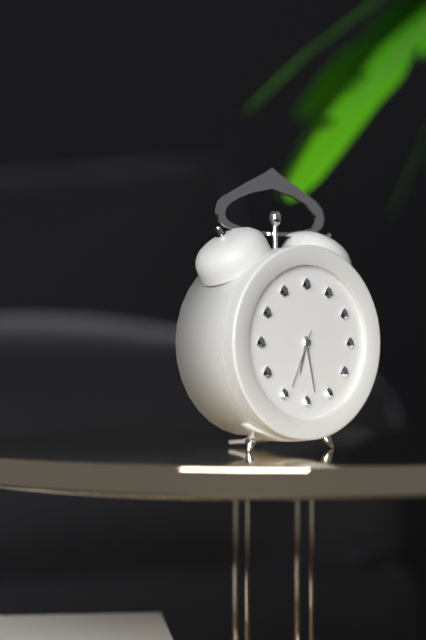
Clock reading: **6:28:34**
